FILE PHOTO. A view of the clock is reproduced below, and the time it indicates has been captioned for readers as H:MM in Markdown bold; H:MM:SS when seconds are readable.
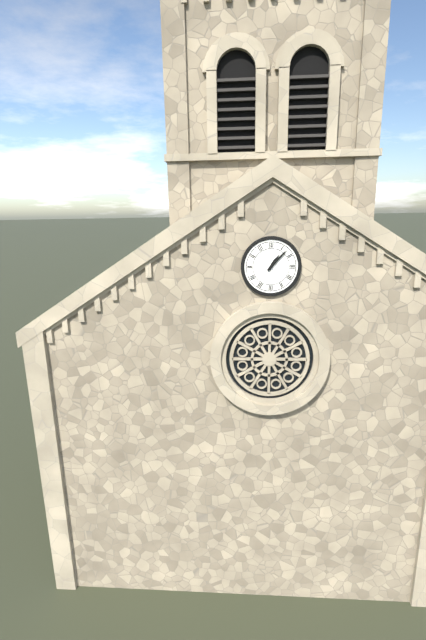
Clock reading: **1:07**
